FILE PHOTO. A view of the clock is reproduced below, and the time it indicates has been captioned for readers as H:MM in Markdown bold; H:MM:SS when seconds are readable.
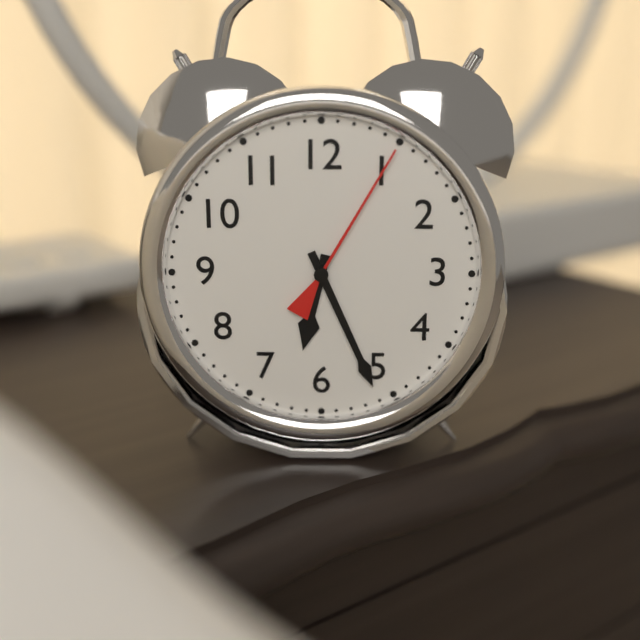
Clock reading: **6:26:05**
